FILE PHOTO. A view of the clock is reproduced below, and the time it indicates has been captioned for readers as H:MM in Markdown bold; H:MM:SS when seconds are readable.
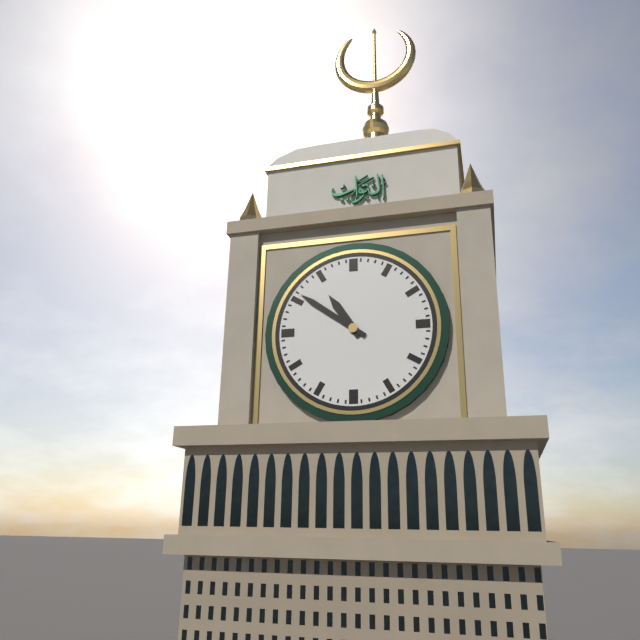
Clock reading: **10:51**
